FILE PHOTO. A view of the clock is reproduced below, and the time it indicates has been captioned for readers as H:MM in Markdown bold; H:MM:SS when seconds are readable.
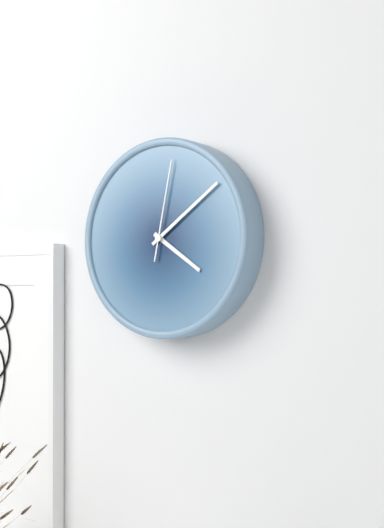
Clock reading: **4:09:02**
